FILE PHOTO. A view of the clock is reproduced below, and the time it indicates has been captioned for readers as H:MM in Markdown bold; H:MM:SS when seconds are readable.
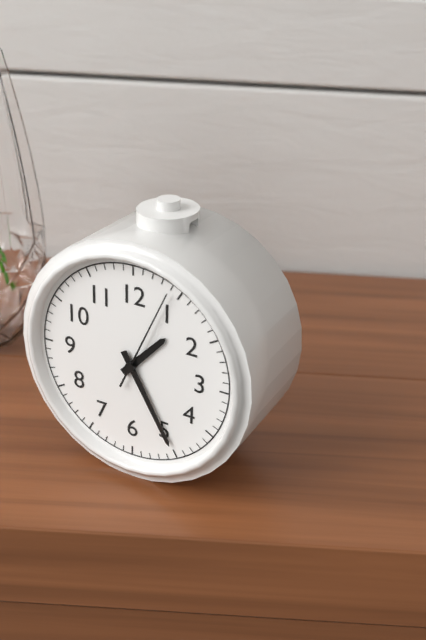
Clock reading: **1:25:04**
